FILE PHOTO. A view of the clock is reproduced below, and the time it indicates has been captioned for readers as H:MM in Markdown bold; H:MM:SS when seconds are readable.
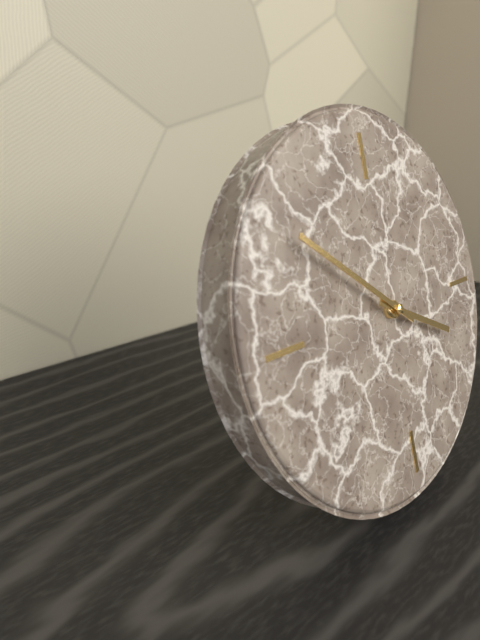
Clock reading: **3:51**
